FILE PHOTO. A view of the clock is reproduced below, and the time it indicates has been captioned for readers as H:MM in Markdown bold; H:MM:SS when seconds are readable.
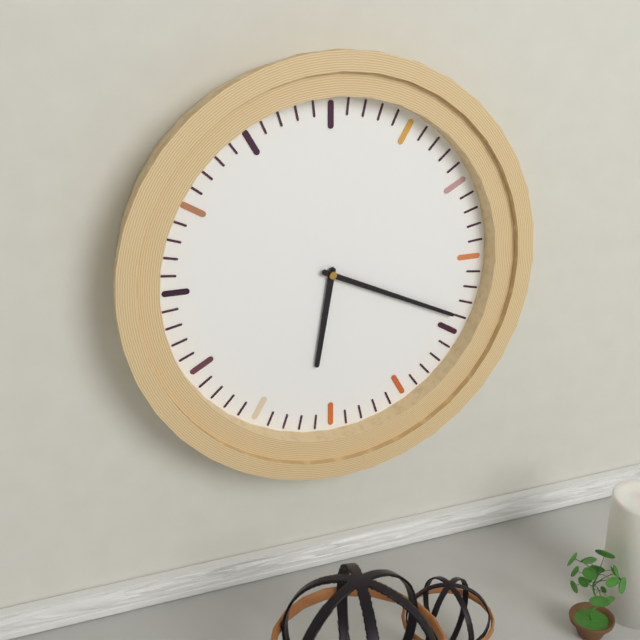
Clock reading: **6:19**
